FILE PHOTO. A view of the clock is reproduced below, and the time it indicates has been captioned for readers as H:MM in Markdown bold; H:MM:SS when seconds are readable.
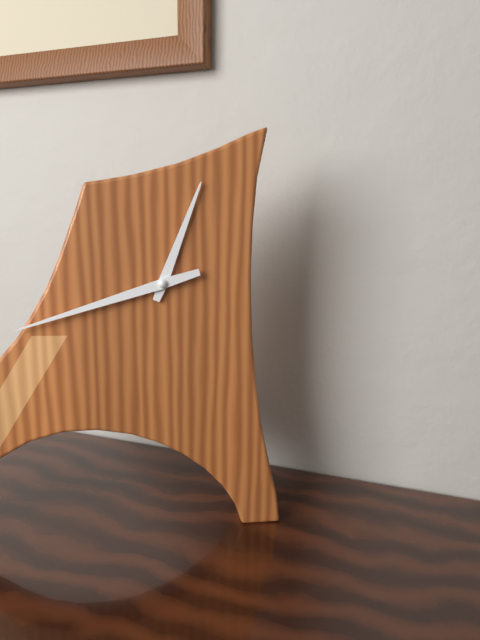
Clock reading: **12:42**
